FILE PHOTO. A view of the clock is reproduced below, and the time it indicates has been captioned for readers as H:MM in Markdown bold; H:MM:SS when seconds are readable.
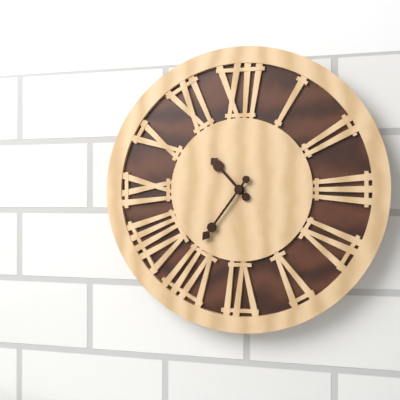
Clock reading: **10:36**
